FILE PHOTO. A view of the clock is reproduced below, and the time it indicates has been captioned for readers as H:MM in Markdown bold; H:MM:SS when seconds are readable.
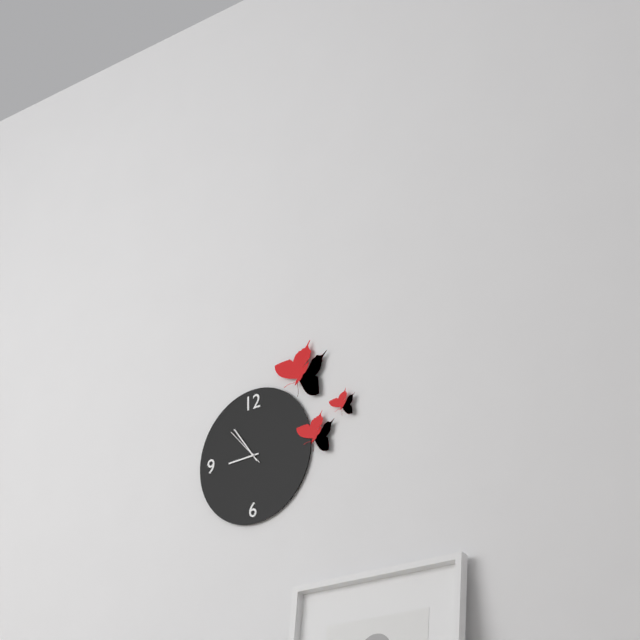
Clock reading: **8:54**
